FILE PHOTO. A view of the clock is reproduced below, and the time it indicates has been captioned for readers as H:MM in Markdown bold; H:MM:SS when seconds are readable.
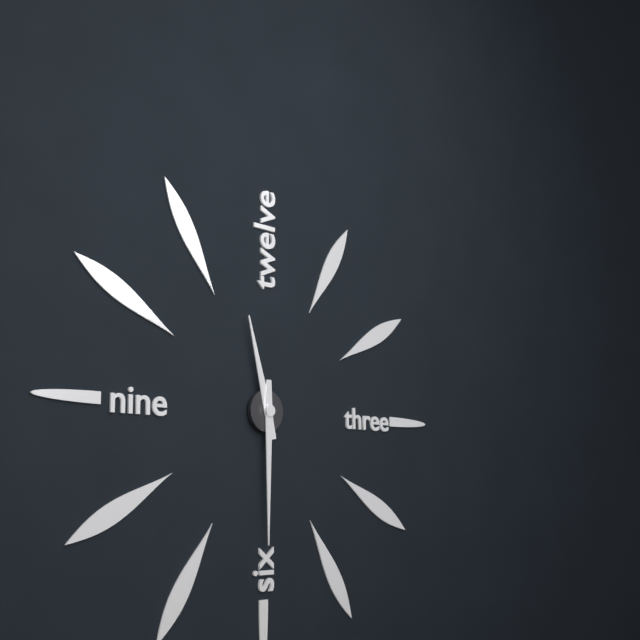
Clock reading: **11:30**
